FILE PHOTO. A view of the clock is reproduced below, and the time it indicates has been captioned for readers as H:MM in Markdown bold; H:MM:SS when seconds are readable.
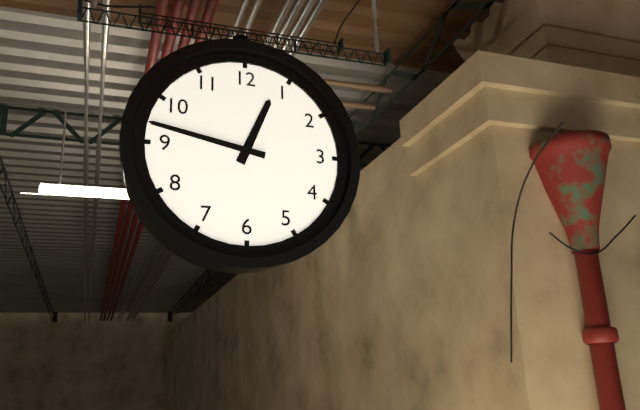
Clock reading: **12:47**
